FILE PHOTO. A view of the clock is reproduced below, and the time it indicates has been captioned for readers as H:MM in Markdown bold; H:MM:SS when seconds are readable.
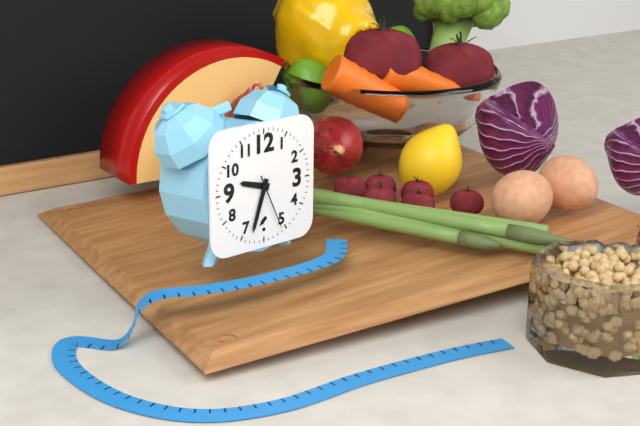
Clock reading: **9:33:26**
